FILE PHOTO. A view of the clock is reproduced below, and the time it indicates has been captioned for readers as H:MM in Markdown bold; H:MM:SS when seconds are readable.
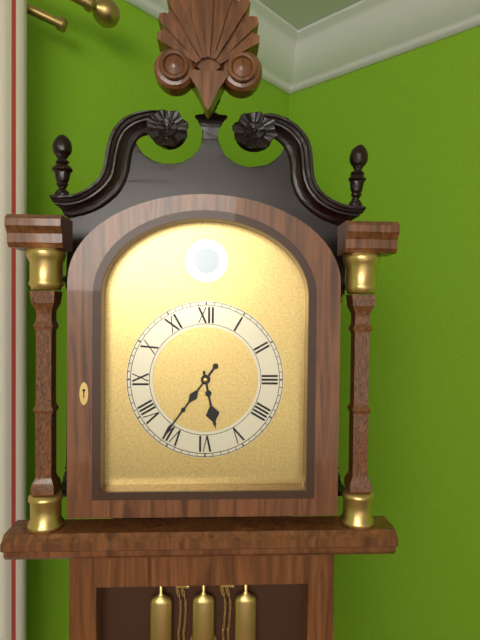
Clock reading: **5:36**
